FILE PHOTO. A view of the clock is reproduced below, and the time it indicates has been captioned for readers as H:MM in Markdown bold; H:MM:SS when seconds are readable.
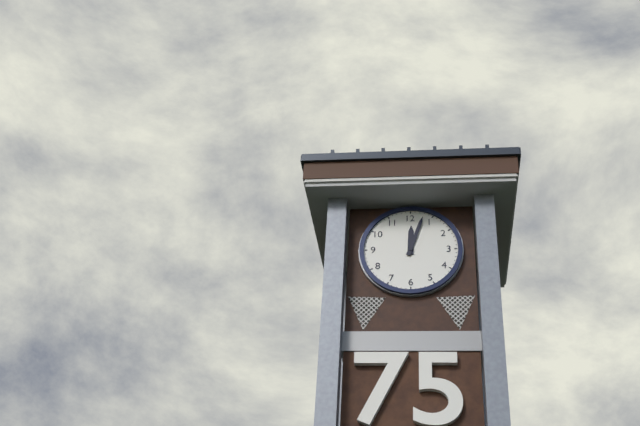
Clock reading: **12:03**
